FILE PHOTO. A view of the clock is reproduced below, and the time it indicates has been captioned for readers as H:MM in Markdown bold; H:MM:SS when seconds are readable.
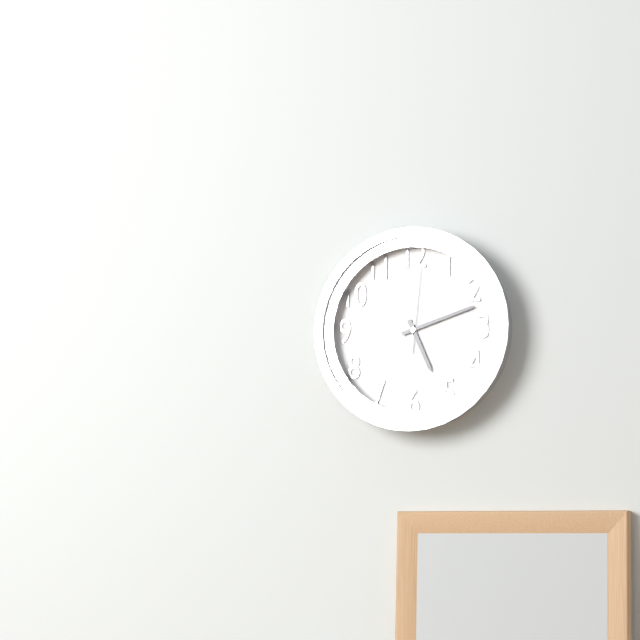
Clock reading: **5:12:01**
